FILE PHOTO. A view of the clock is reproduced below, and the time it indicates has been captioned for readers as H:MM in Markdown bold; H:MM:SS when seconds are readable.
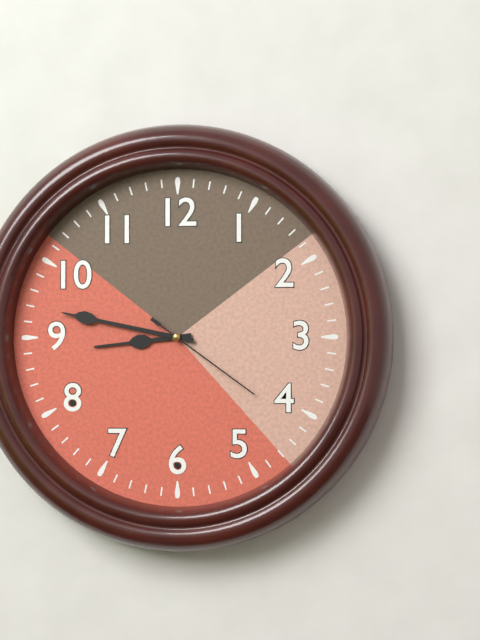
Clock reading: **8:47:21**
